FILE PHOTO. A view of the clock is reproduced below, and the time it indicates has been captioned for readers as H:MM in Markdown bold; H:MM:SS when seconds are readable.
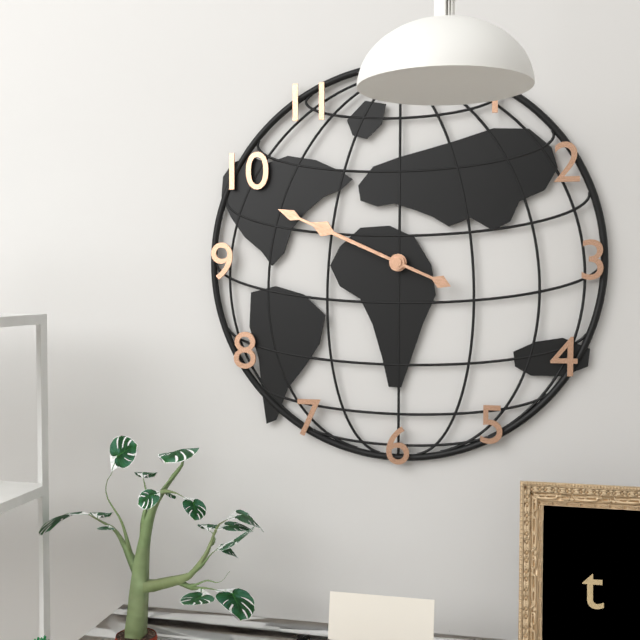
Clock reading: **9:49**
